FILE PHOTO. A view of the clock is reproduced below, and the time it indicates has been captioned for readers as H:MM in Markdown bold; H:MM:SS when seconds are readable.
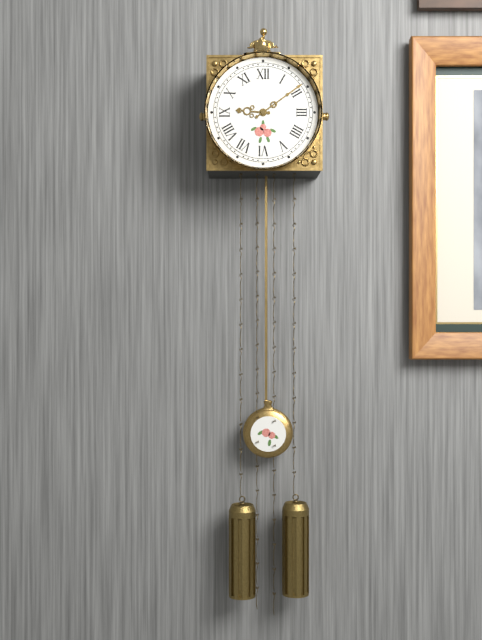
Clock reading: **9:09**
